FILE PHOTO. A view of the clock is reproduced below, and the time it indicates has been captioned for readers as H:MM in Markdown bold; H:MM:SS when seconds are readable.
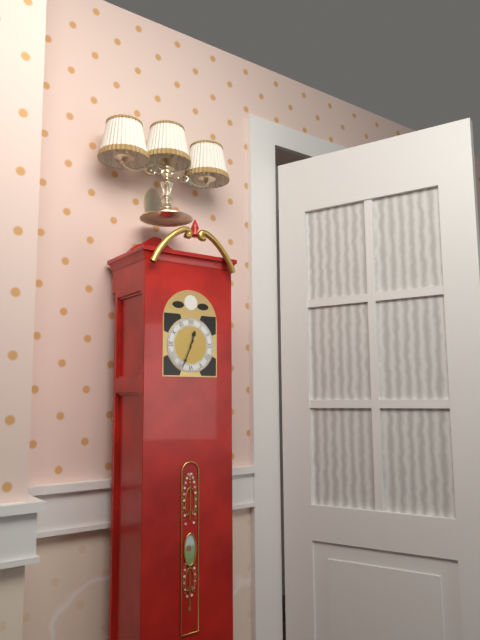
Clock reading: **12:34**
